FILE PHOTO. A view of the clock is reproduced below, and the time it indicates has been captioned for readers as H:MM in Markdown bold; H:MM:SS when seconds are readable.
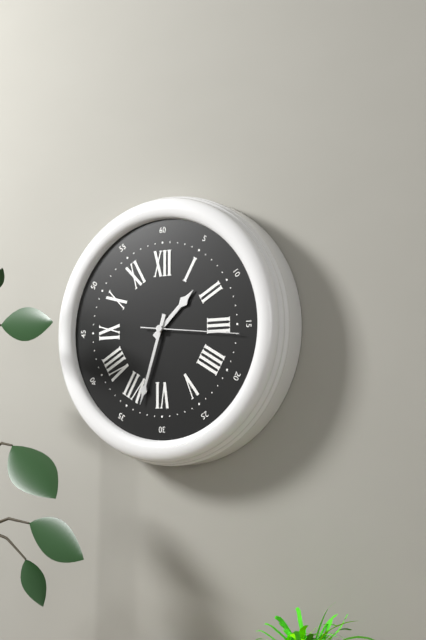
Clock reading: **1:33:16**
